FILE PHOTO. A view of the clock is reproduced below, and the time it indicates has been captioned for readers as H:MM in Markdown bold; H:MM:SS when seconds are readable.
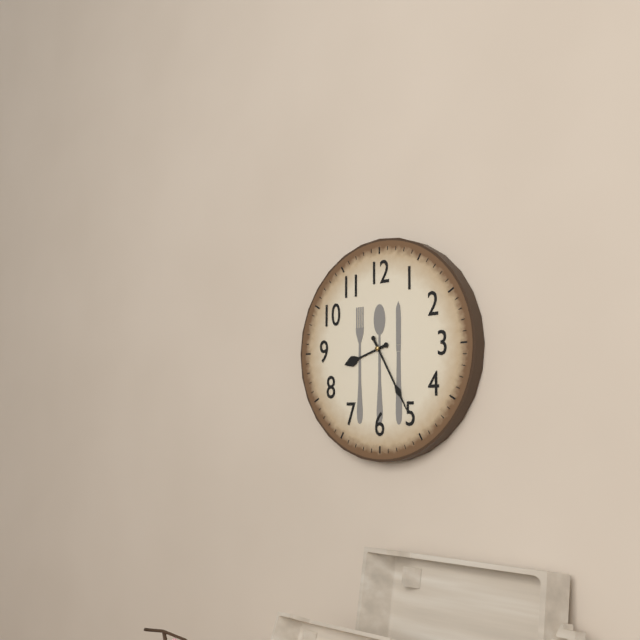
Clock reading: **8:25**
